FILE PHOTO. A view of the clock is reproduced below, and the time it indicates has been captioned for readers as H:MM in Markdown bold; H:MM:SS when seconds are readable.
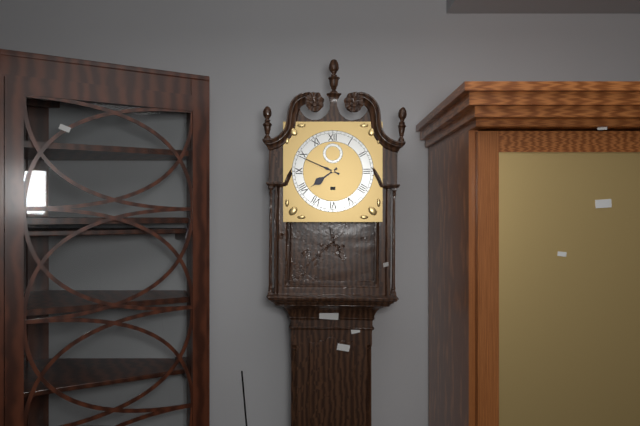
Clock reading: **7:49**
